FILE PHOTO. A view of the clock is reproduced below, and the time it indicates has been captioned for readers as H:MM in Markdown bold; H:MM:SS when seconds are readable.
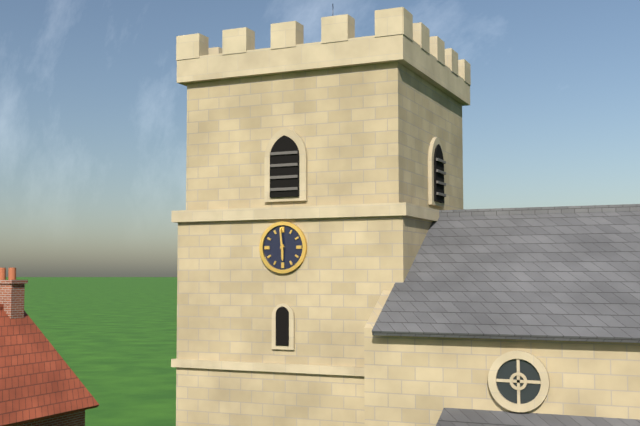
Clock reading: **5:59**
